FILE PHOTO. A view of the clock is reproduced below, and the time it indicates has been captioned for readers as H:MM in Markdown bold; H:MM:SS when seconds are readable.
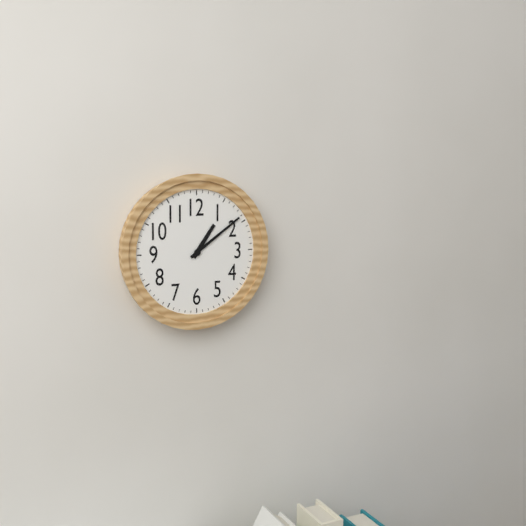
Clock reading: **1:09**
